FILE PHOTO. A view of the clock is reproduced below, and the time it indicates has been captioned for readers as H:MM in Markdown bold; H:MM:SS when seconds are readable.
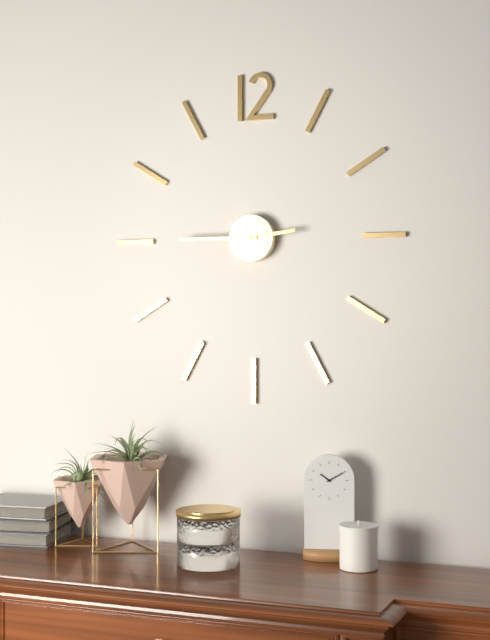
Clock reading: **2:45**
